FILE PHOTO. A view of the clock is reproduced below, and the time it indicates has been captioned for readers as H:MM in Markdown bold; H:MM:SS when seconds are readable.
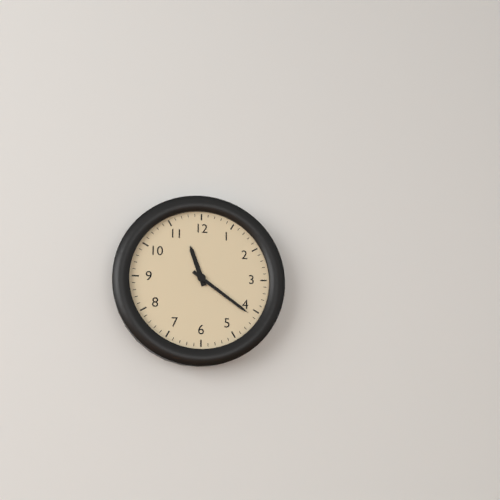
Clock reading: **11:21**
